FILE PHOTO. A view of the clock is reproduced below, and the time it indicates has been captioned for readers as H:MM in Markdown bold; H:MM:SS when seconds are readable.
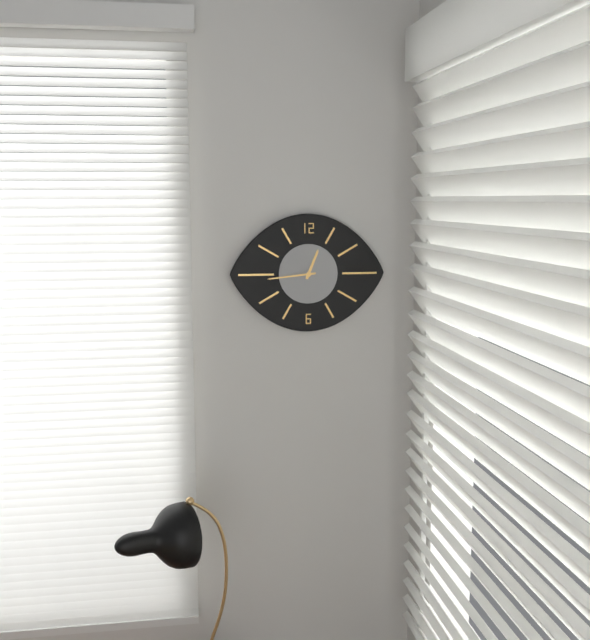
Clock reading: **12:44**
